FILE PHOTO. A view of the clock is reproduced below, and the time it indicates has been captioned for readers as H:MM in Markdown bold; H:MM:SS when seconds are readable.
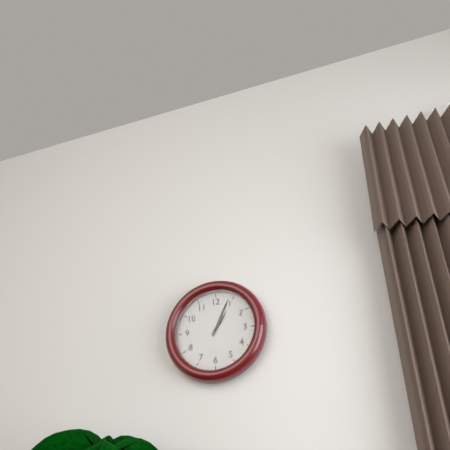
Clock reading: **1:04**
